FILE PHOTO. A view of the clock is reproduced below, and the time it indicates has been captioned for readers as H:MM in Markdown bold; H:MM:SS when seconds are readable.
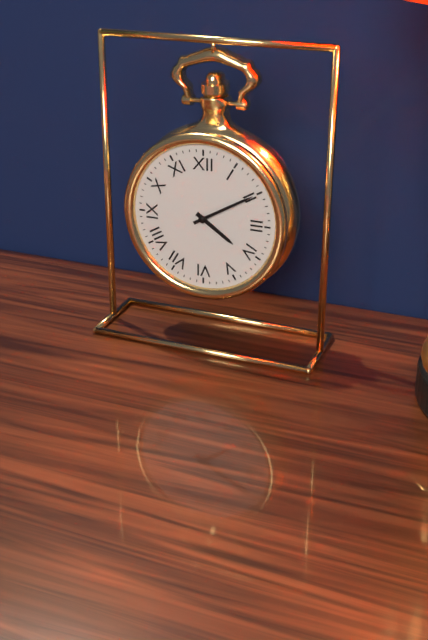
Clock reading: **4:10**
